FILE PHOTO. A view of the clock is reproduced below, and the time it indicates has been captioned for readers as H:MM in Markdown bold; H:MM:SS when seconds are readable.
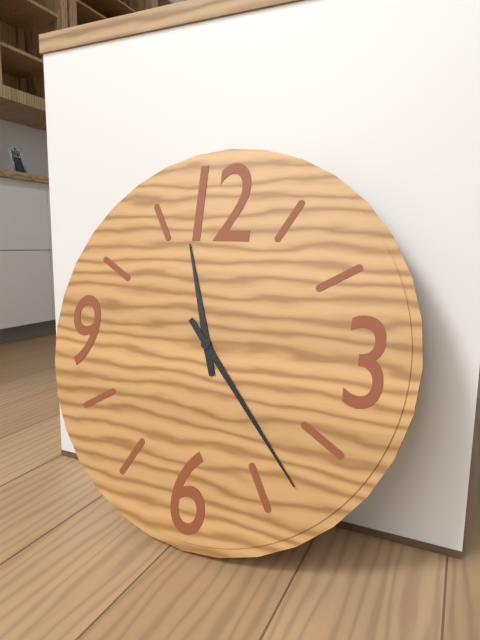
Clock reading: **11:23**
